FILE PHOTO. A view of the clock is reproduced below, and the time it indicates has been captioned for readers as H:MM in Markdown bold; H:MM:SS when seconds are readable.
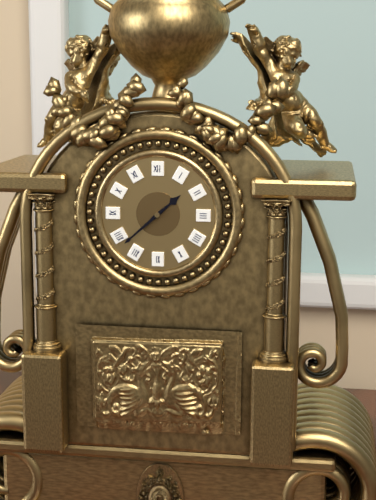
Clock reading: **1:38**
